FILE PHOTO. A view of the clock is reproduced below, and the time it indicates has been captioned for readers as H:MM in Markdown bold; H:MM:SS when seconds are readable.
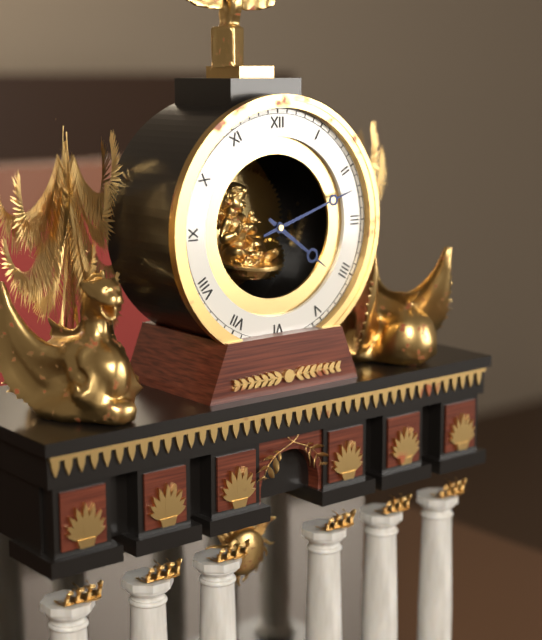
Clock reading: **4:12**
